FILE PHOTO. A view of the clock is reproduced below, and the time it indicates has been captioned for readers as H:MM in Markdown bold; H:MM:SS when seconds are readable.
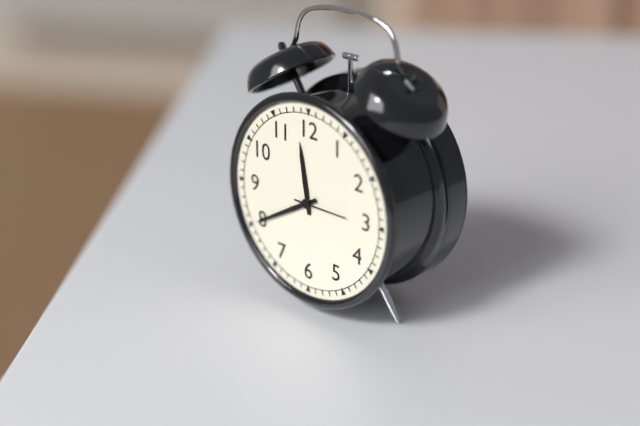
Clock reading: **11:40:15**
